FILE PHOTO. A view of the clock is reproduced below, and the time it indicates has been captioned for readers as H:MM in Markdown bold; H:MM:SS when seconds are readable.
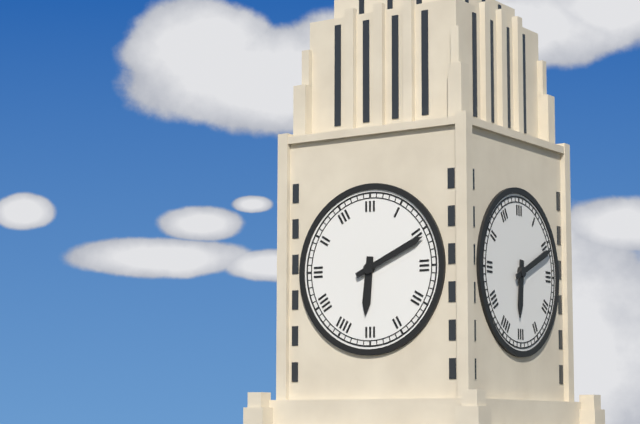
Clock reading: **6:11**
